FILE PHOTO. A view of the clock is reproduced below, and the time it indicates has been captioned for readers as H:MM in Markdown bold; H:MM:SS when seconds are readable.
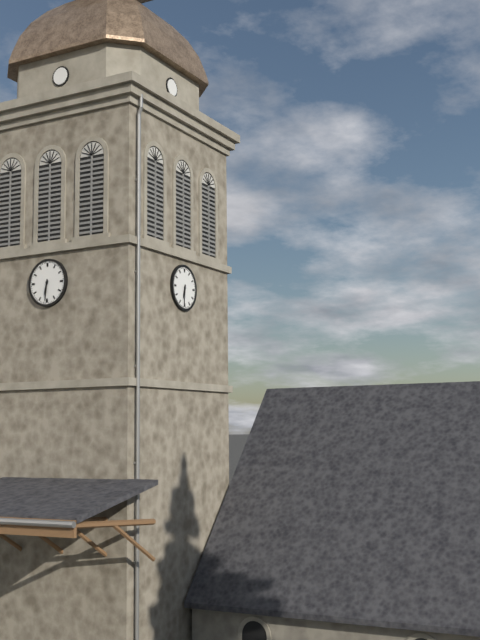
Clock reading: **6:31**
